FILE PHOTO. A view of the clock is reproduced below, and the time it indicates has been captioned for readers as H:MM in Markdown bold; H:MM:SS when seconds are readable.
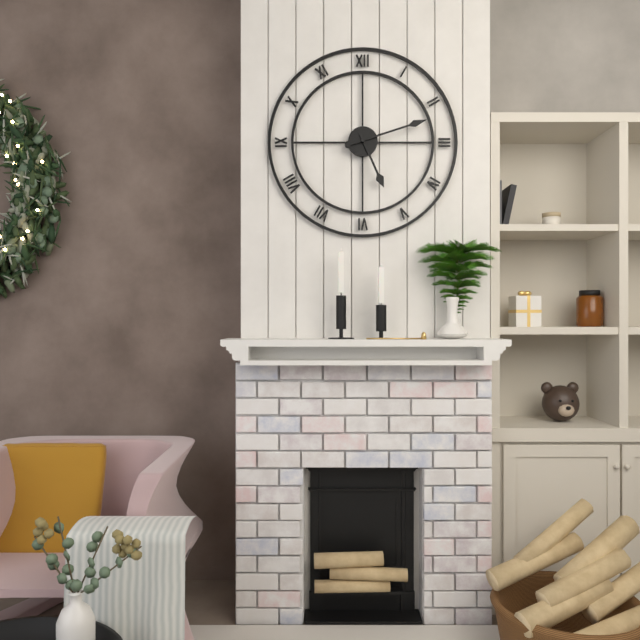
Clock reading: **5:12**
